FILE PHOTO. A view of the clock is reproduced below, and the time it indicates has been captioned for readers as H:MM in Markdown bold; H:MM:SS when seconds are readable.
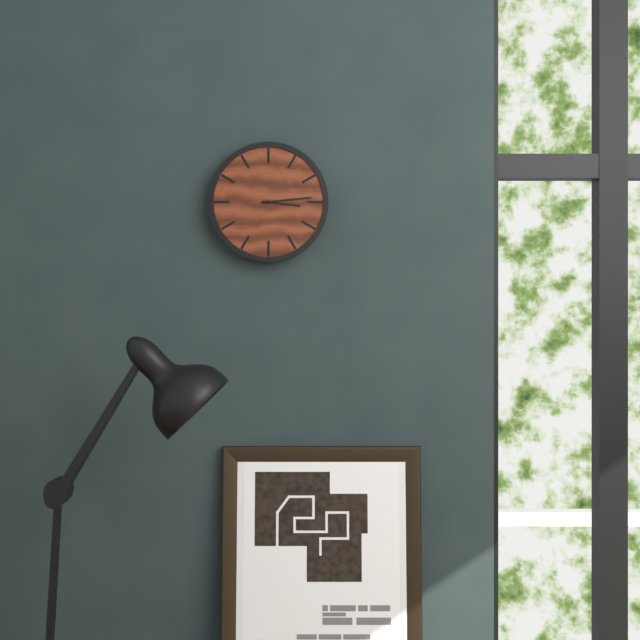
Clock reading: **3:14**
